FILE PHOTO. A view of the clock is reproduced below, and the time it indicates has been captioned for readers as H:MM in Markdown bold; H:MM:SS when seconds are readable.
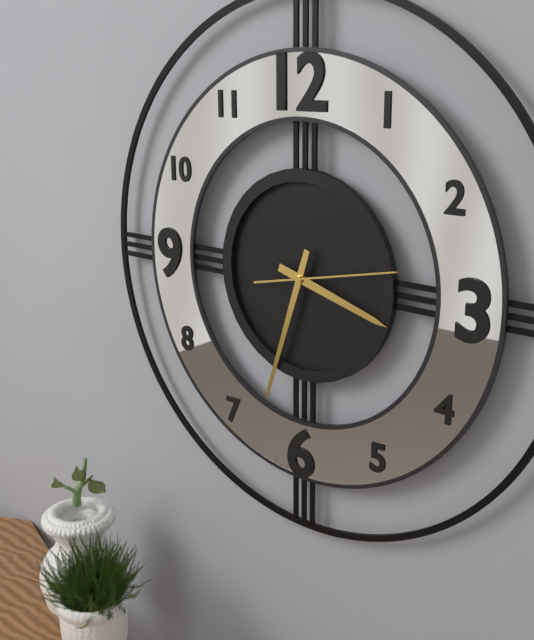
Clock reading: **3:33:13**
